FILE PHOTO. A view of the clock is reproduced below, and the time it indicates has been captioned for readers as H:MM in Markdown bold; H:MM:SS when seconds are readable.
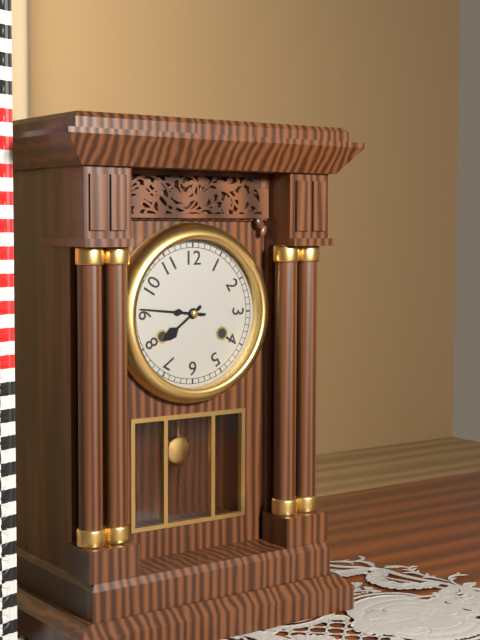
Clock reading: **7:46**
